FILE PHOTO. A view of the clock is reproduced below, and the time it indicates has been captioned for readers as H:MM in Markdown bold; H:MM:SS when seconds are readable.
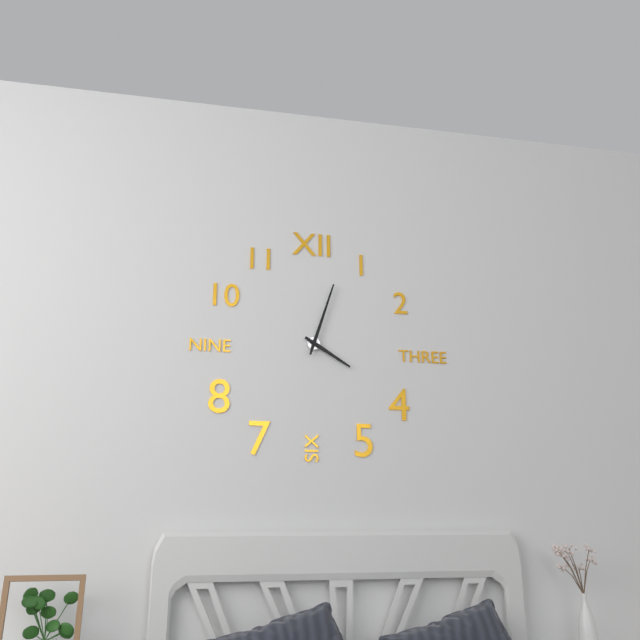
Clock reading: **4:03**
